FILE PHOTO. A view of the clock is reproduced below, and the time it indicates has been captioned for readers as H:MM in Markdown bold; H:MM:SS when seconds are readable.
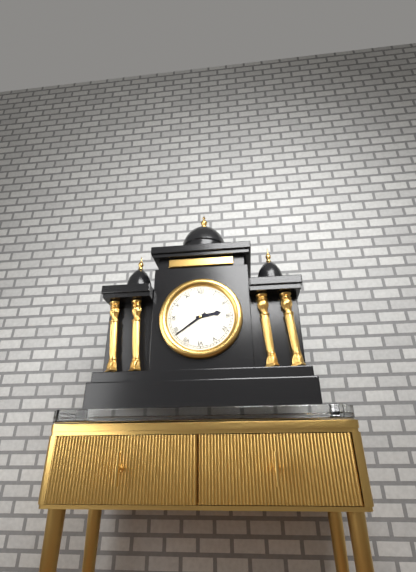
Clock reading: **2:39**
